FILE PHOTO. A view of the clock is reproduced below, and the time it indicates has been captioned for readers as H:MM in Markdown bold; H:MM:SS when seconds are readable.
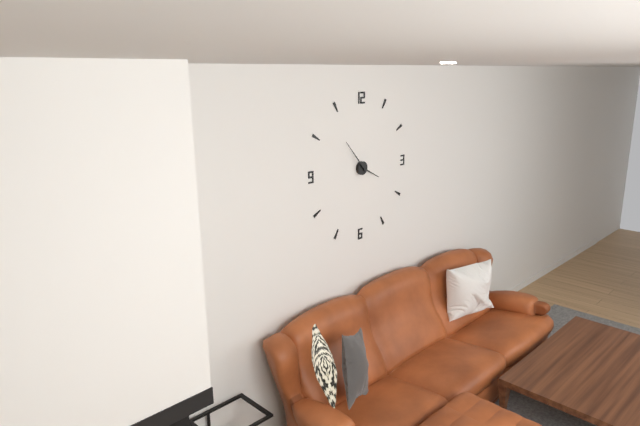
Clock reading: **3:53**
